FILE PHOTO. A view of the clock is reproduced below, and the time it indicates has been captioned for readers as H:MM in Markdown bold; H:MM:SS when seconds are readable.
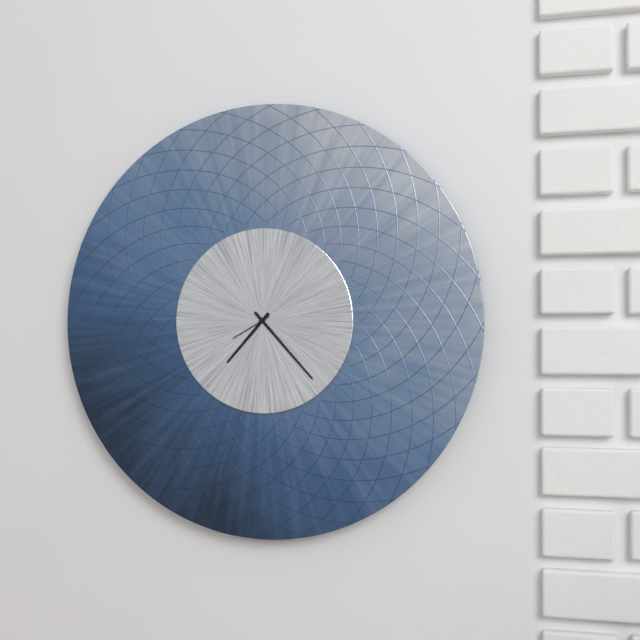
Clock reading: **7:23**
